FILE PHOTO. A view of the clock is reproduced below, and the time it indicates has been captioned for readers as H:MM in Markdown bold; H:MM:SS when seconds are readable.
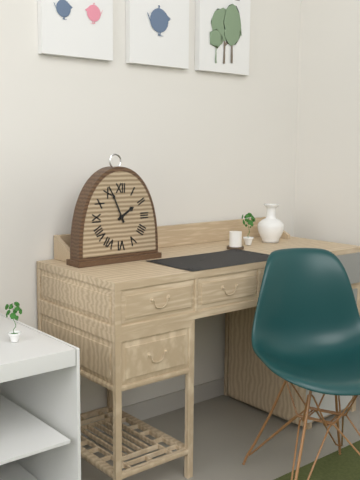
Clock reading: **1:56**
